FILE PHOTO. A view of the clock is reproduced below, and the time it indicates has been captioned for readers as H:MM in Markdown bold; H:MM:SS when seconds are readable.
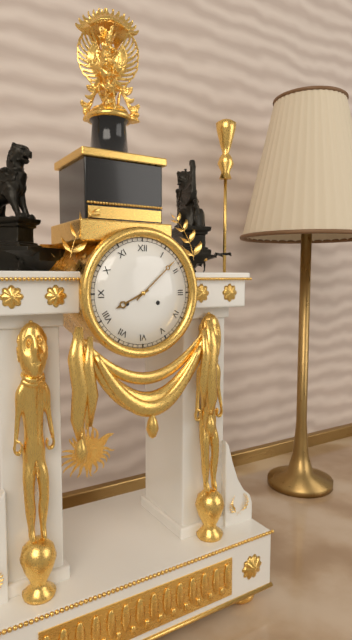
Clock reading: **8:08**
